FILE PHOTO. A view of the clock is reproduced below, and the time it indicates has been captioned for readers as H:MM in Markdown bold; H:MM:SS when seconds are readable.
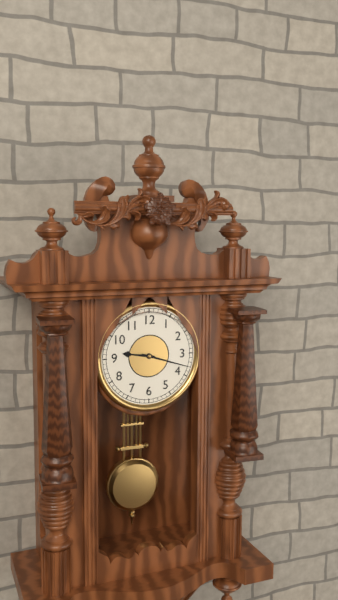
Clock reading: **9:18**
